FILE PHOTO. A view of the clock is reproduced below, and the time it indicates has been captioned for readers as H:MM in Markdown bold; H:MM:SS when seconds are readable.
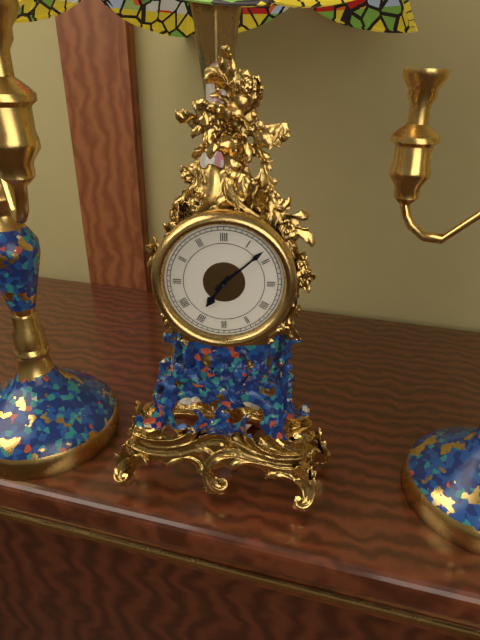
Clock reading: **7:08**
